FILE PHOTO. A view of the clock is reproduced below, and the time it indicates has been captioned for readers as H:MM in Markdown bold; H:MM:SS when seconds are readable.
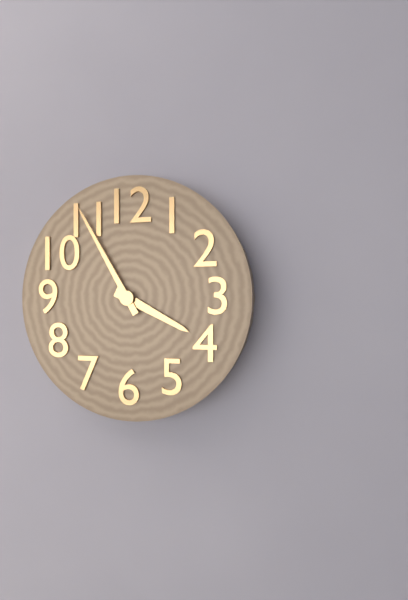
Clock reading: **3:55**
